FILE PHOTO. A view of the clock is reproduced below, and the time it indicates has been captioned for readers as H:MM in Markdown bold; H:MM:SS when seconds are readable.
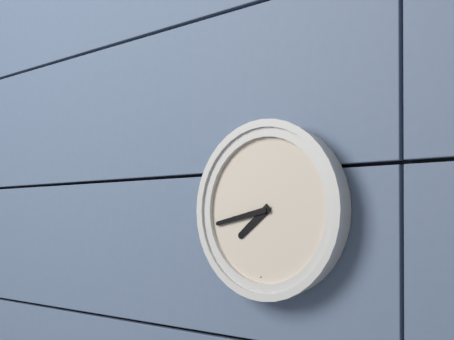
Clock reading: **7:43**
